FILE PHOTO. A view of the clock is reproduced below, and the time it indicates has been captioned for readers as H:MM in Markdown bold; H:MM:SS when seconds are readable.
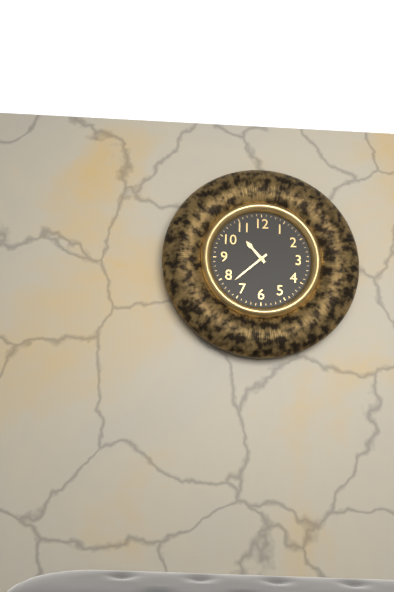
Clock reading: **10:38**
